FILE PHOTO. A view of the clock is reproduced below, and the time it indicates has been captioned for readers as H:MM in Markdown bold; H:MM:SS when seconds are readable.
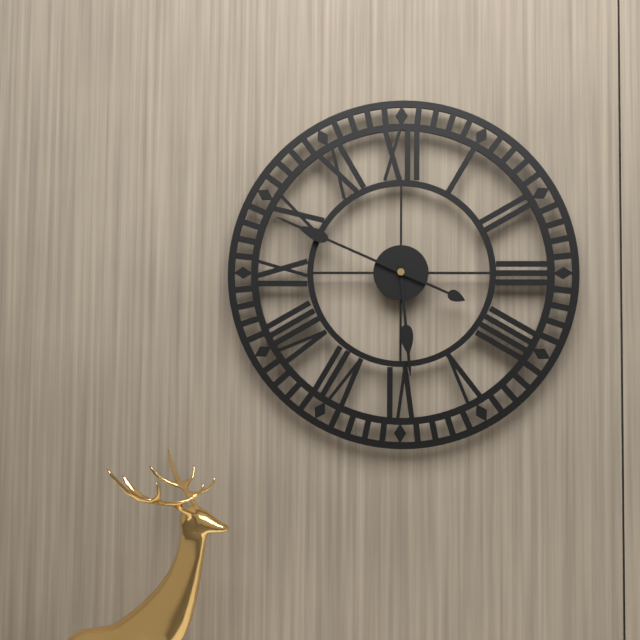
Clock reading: **5:49**
